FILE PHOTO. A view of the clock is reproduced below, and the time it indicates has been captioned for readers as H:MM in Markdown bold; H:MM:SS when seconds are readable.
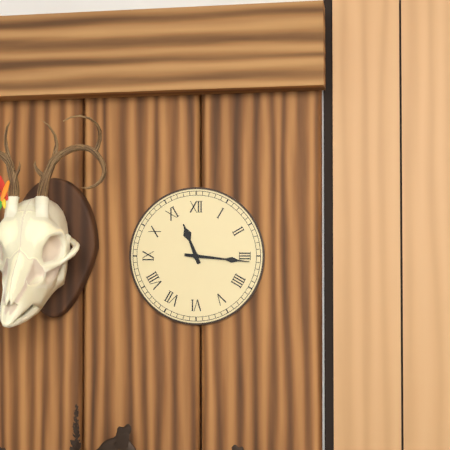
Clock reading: **11:16**
